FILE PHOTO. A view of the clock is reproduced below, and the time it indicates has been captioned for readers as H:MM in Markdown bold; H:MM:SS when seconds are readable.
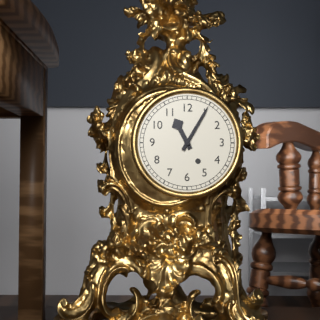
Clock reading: **11:05**
